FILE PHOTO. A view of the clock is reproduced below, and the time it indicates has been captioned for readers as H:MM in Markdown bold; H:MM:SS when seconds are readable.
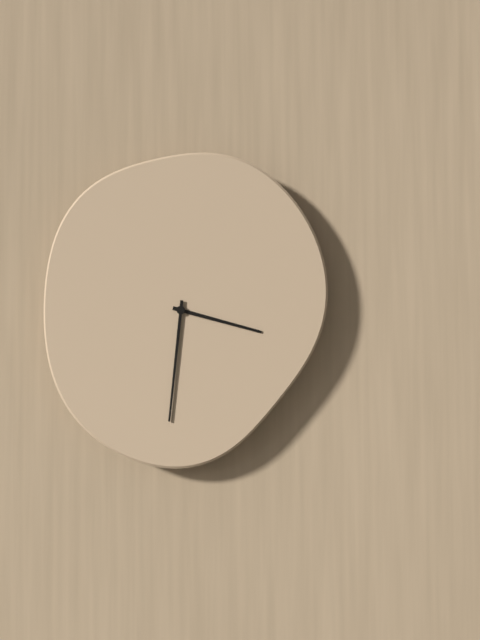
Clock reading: **3:31**
